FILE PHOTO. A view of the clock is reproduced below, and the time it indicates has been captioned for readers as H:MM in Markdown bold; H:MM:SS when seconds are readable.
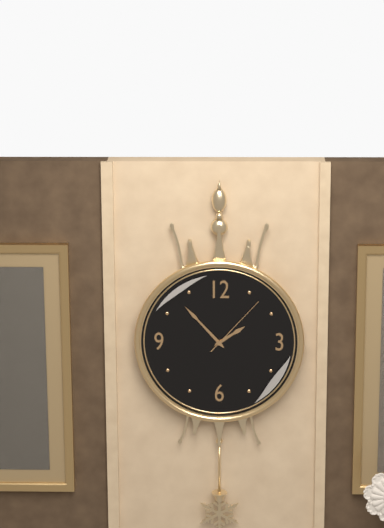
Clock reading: **1:53:07**
